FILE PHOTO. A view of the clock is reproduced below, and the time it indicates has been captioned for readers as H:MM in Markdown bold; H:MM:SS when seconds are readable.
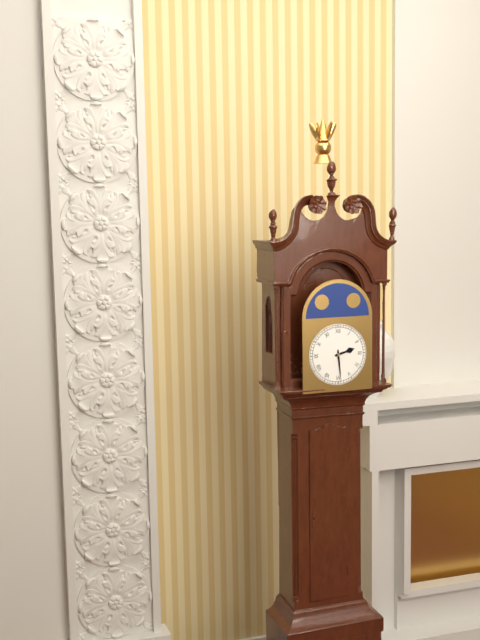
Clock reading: **2:29**
